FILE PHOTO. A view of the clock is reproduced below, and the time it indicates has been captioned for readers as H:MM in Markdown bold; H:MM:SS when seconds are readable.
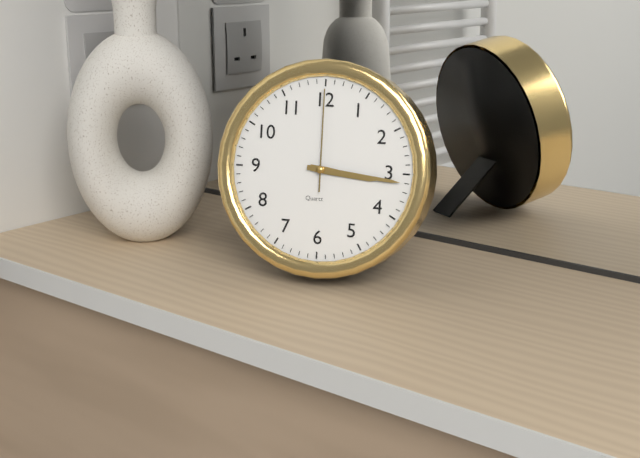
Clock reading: **3:16:00**
